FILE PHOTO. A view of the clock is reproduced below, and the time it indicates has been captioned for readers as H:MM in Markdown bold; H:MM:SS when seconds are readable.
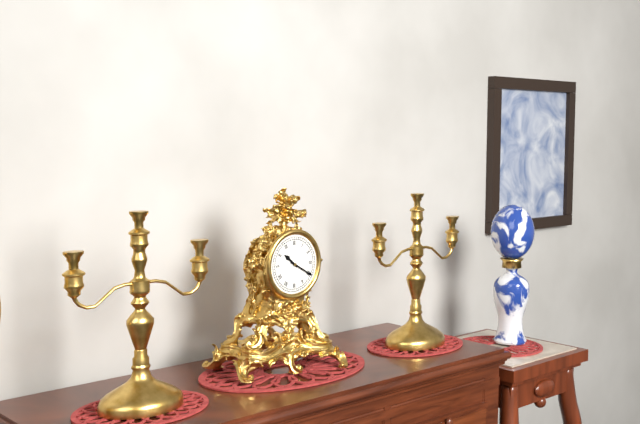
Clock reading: **10:20**
